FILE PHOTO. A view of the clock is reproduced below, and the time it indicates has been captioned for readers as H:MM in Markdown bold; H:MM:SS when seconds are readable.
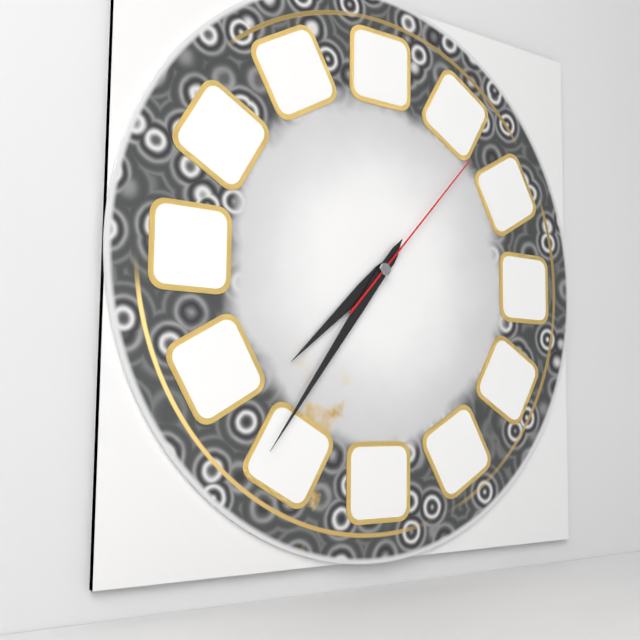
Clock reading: **7:36:07**
